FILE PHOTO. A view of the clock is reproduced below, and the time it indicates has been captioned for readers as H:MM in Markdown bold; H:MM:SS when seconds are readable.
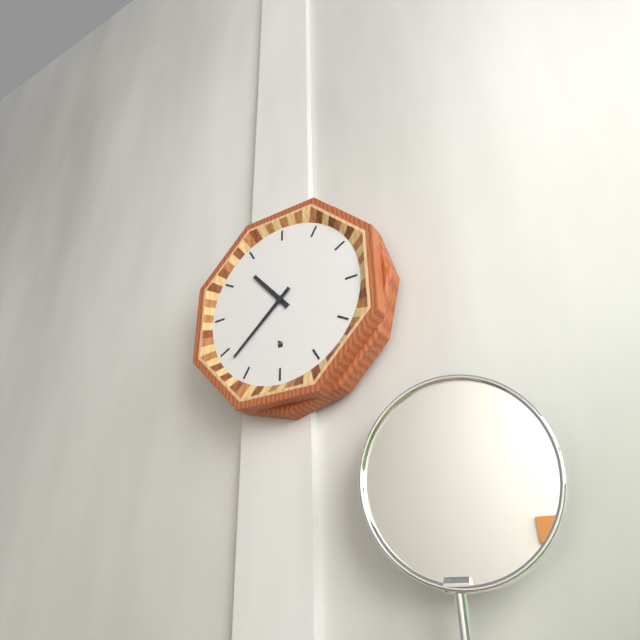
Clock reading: **10:38**
